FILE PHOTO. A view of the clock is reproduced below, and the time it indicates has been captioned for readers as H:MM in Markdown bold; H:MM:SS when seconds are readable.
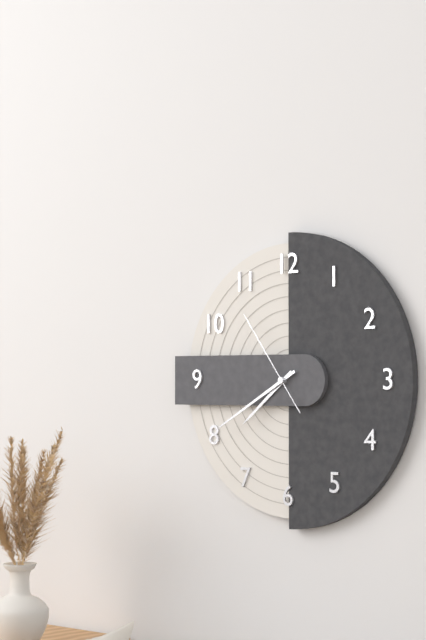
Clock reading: **7:40:54**
